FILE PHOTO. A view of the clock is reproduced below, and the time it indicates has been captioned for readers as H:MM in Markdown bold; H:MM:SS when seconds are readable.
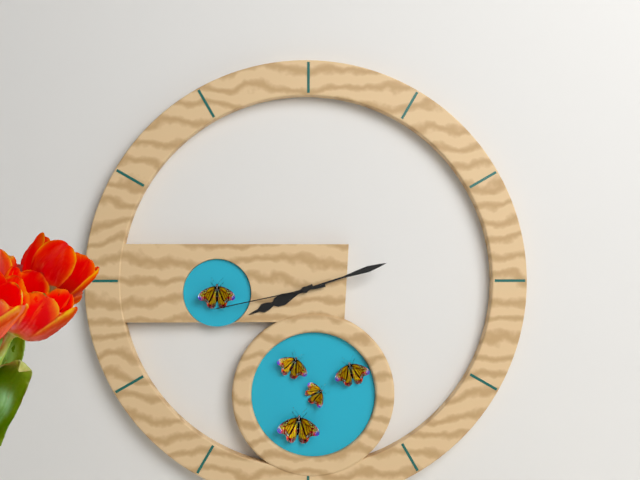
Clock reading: **8:12:43**
